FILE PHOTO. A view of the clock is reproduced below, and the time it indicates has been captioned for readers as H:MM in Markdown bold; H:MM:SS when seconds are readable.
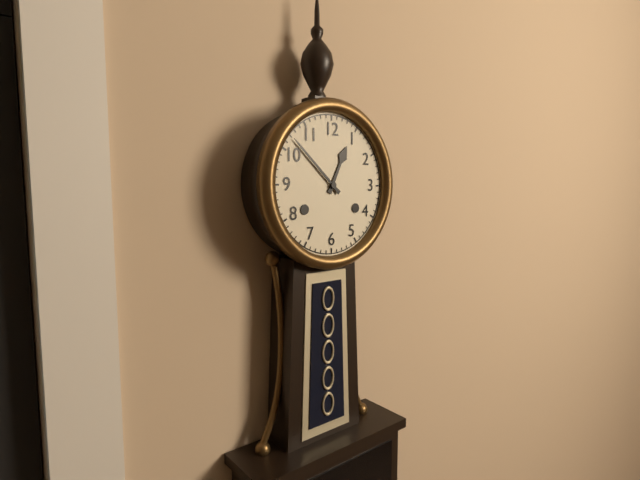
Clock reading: **12:52**
